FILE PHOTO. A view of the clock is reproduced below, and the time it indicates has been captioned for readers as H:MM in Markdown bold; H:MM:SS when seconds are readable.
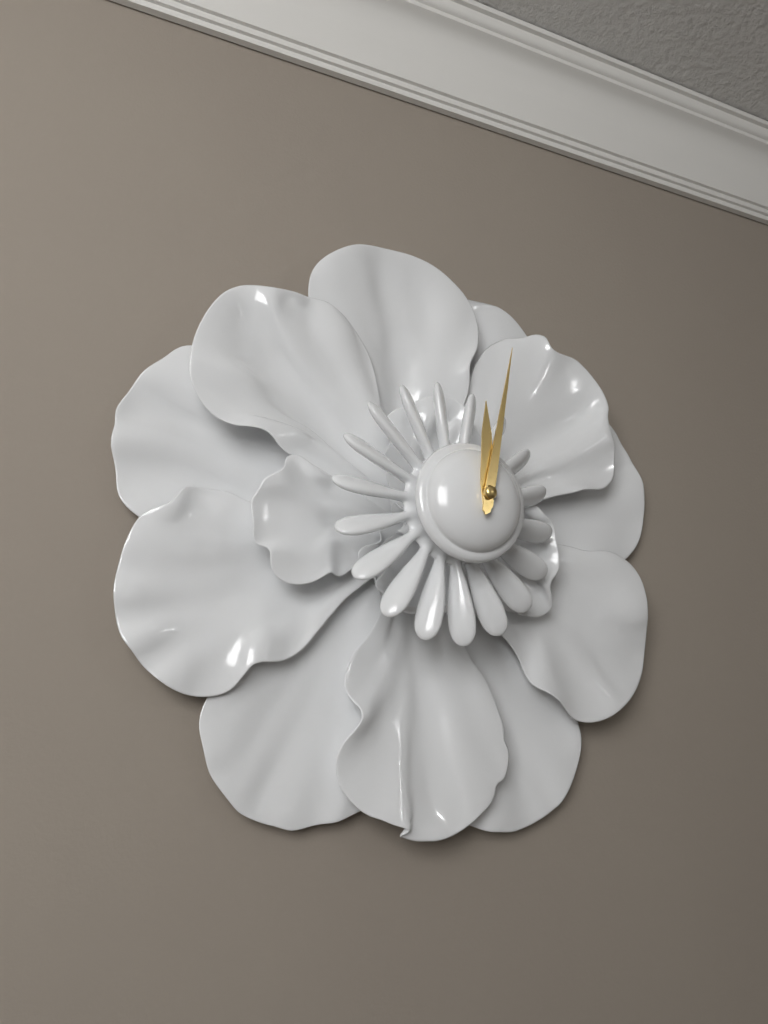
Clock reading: **12:02**
